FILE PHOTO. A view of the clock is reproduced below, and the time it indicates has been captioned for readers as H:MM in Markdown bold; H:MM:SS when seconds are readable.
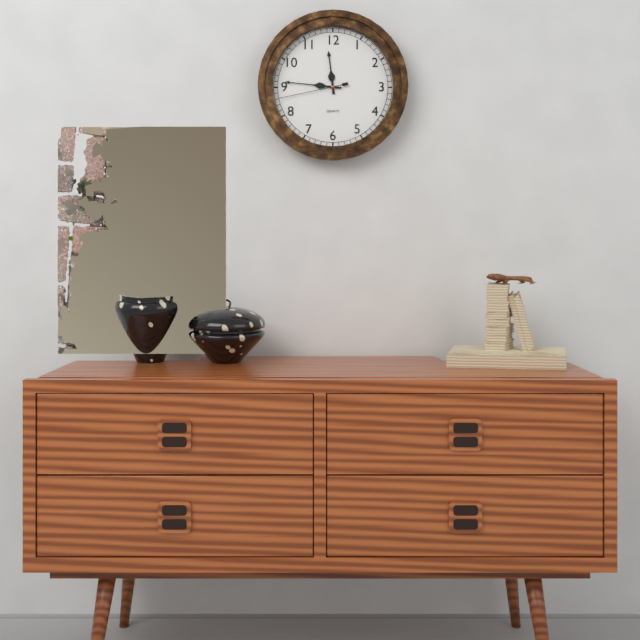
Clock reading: **11:46:43**
